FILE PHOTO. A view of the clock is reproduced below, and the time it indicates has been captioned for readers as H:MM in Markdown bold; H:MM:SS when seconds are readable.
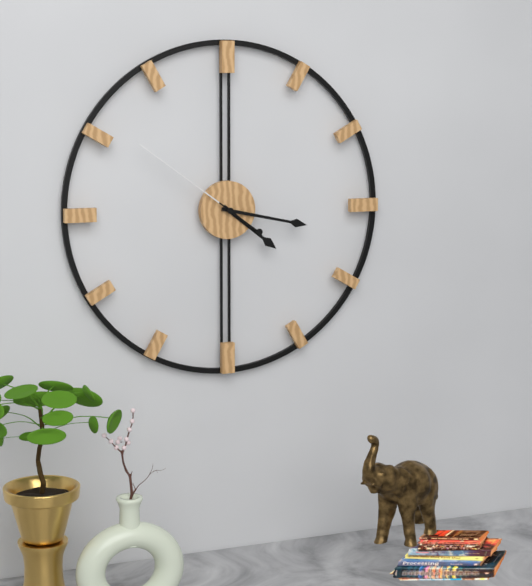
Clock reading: **4:17:51**
